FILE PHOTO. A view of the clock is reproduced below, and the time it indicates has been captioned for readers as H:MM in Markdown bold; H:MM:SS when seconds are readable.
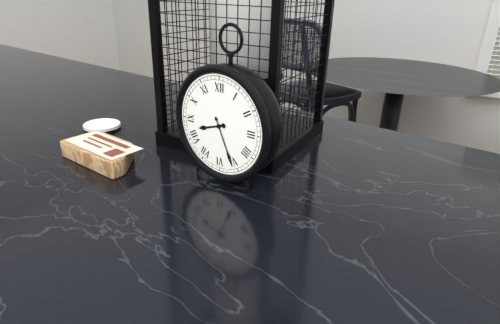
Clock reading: **8:26**
